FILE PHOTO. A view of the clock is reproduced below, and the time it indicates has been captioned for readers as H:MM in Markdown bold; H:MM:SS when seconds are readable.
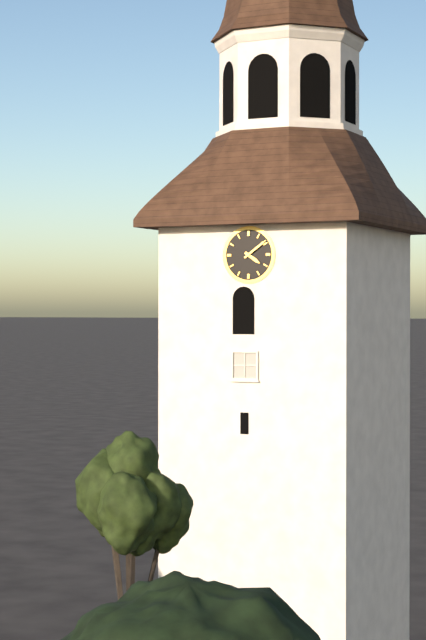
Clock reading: **4:09**
